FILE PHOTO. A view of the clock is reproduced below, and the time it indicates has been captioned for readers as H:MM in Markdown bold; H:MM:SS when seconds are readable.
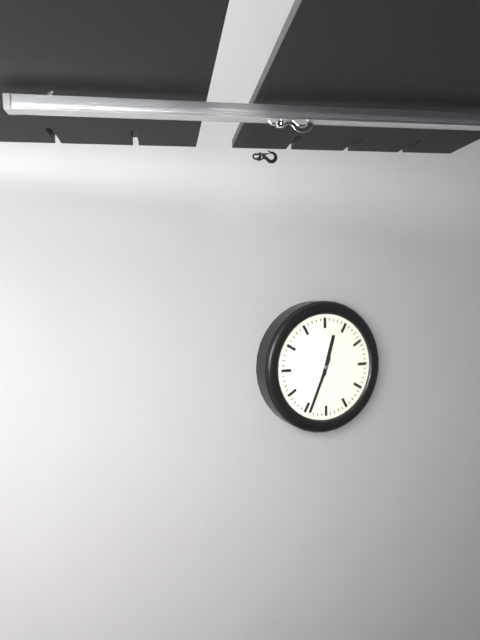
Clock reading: **12:34**
